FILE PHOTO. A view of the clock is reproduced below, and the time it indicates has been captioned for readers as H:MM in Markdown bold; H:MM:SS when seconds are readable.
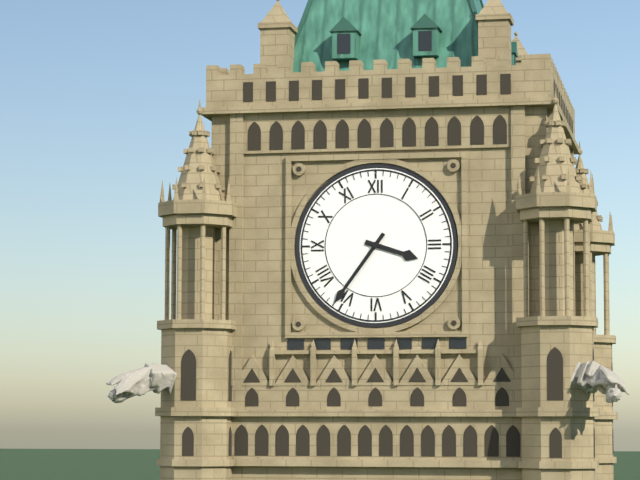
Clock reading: **3:36**
